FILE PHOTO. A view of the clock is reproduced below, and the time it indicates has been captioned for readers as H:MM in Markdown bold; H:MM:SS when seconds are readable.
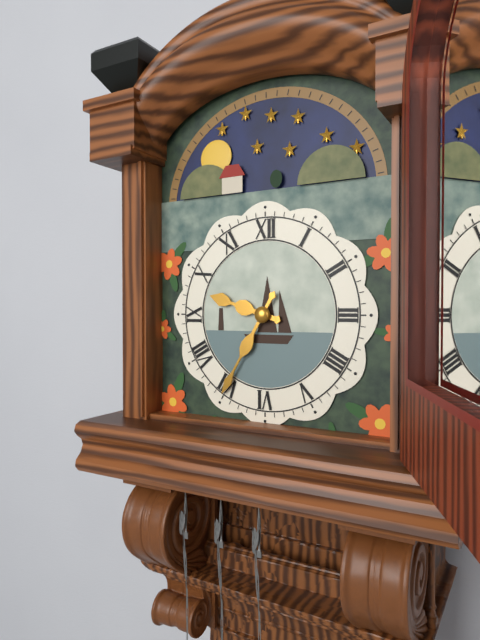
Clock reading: **9:35**
